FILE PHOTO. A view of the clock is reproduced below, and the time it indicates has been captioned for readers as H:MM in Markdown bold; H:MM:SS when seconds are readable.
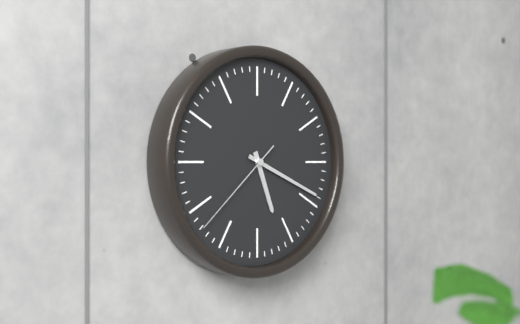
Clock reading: **5:19:38**
